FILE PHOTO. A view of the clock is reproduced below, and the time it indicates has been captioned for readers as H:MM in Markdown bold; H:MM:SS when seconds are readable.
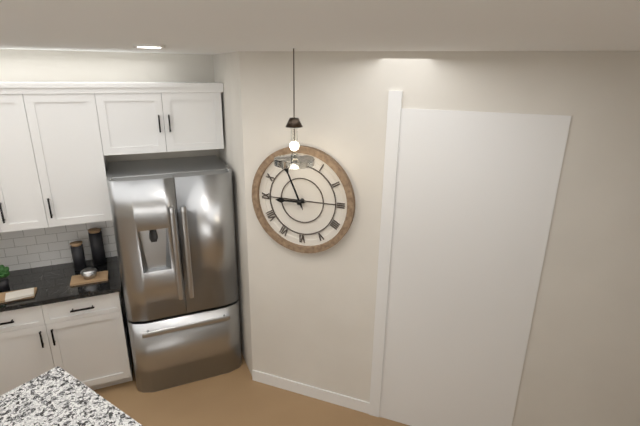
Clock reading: **8:56**
